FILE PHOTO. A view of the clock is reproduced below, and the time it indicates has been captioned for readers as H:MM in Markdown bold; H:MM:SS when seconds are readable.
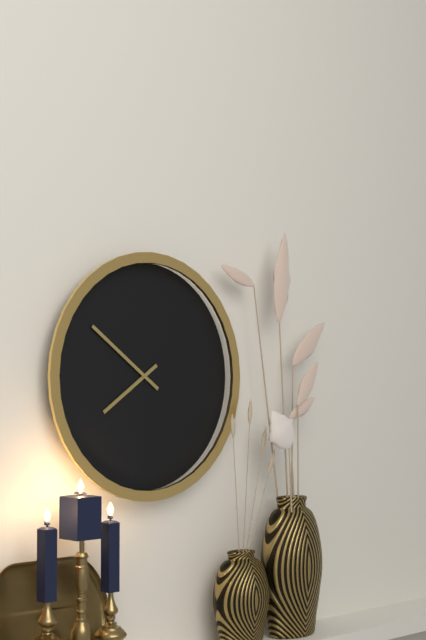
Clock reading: **7:51**
